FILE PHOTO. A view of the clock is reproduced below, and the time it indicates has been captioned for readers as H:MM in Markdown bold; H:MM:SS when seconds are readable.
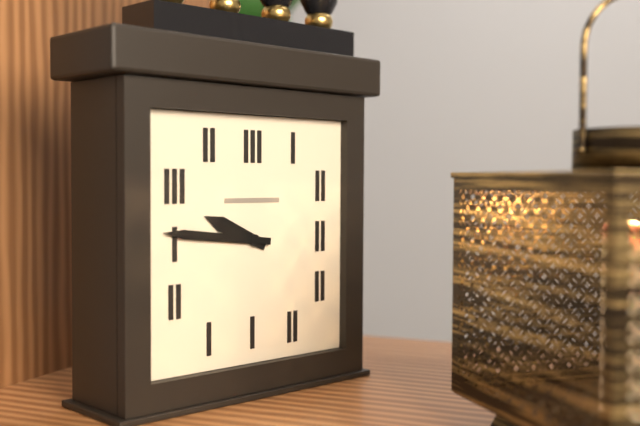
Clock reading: **9:46**
